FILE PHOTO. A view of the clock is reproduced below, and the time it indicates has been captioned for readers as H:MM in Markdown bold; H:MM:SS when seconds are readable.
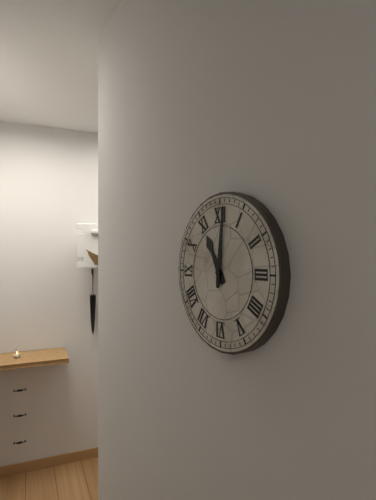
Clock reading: **11:01**
